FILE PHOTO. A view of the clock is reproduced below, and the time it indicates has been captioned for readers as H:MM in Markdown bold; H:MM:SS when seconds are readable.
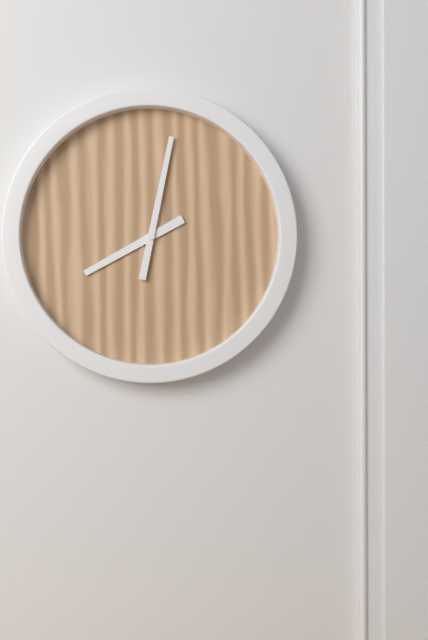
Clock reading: **8:02**
